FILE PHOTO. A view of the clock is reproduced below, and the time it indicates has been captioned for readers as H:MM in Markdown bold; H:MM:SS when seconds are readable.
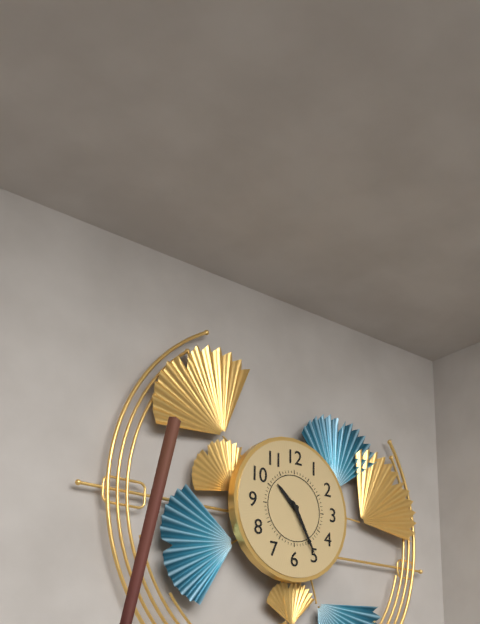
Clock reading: **10:25**
